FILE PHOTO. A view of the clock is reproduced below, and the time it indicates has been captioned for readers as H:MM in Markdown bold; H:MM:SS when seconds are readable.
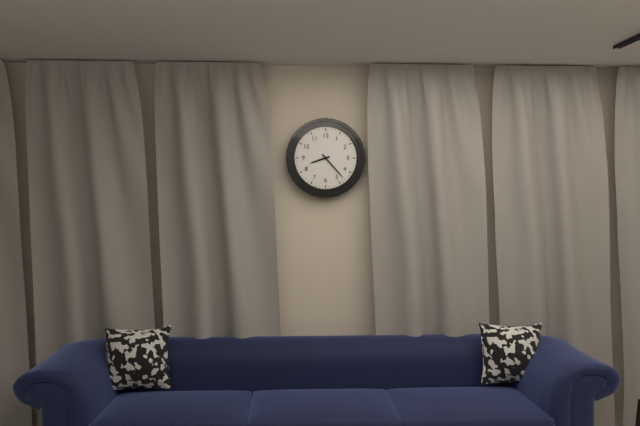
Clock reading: **8:23**
